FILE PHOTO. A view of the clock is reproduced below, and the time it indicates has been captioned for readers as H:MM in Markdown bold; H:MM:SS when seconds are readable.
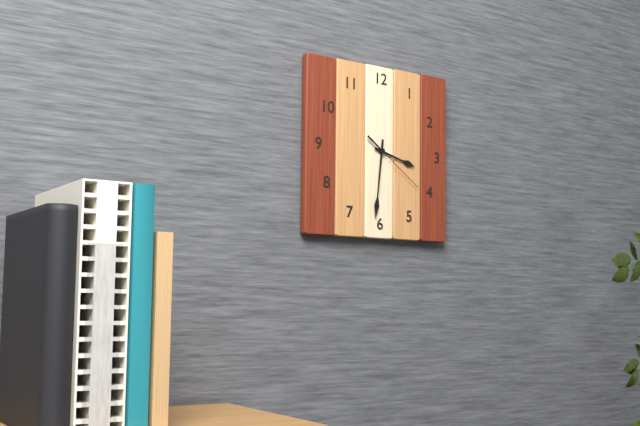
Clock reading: **3:31:21**
